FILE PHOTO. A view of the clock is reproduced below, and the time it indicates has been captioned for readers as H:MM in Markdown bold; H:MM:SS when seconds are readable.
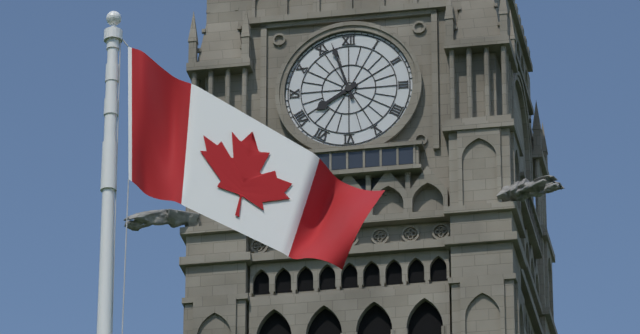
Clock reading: **7:57**
